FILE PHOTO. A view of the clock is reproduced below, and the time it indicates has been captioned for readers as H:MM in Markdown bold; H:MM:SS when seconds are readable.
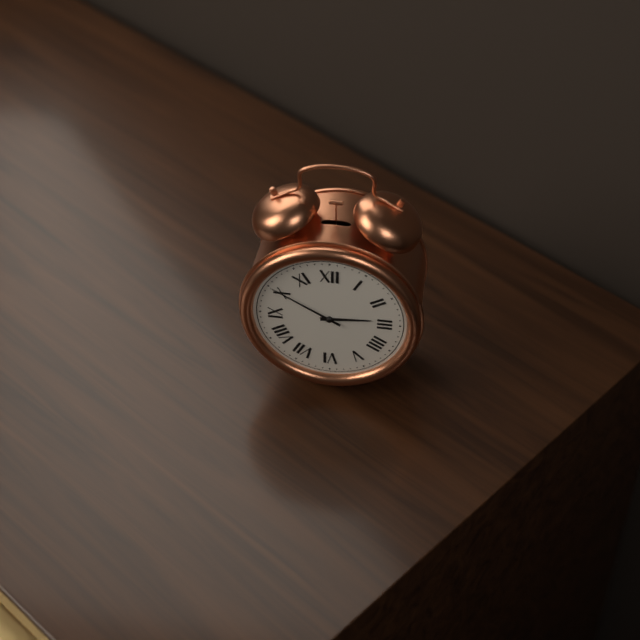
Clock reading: **2:50**
